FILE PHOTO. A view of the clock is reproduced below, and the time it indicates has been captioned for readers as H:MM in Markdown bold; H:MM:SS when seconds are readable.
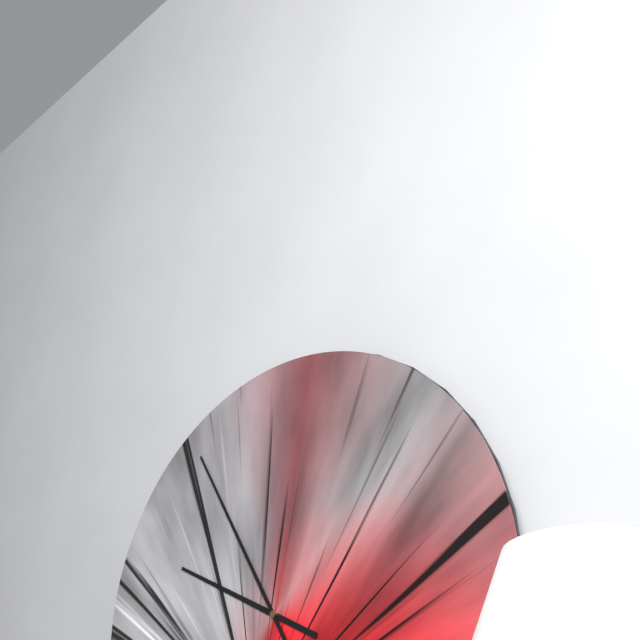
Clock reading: **9:55**
